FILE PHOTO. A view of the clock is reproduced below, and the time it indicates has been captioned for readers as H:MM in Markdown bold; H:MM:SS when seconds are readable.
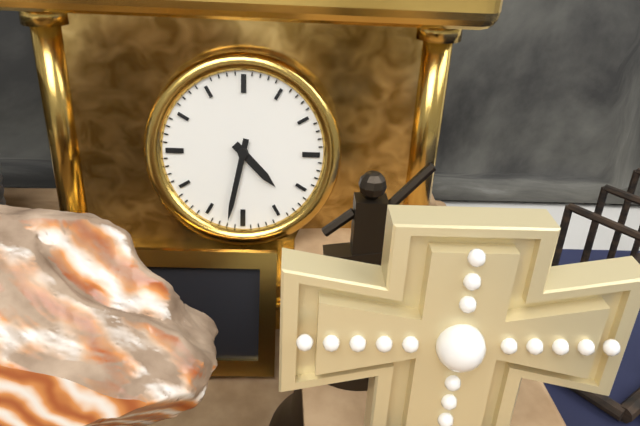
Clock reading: **4:32**
